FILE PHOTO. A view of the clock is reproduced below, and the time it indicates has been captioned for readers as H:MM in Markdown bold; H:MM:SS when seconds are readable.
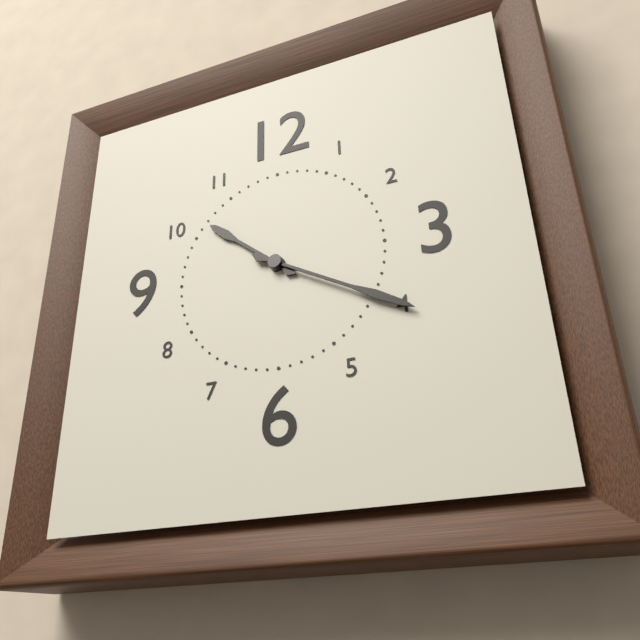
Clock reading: **10:20**
